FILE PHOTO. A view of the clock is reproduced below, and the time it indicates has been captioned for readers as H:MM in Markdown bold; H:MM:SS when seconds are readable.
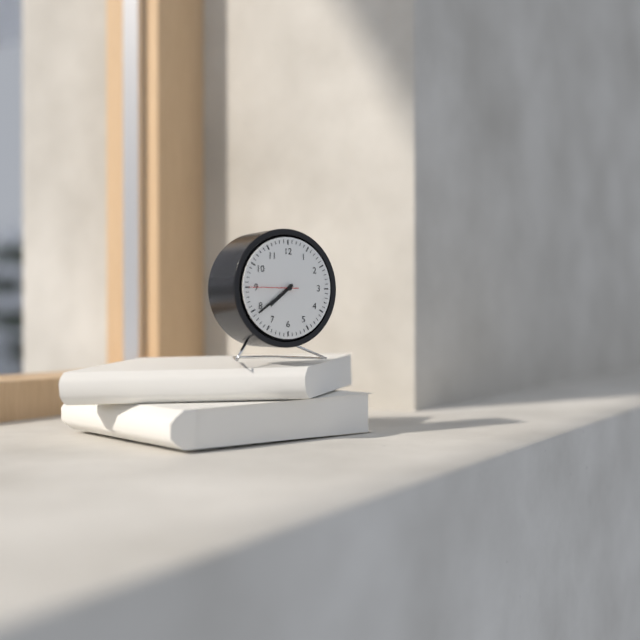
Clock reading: **7:39**
